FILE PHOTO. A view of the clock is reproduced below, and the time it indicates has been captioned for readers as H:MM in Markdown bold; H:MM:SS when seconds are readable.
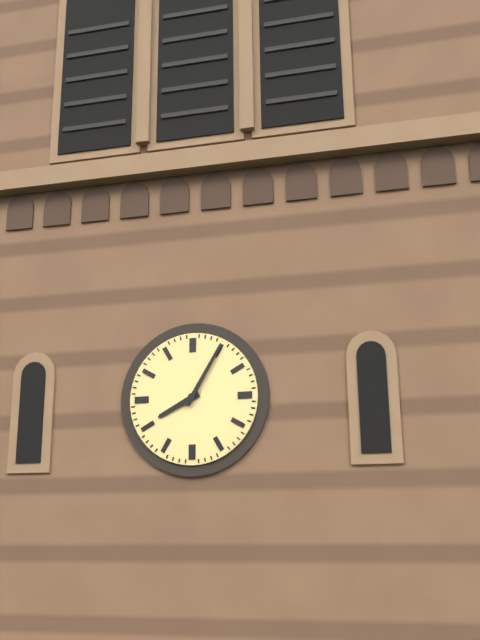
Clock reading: **8:05**
